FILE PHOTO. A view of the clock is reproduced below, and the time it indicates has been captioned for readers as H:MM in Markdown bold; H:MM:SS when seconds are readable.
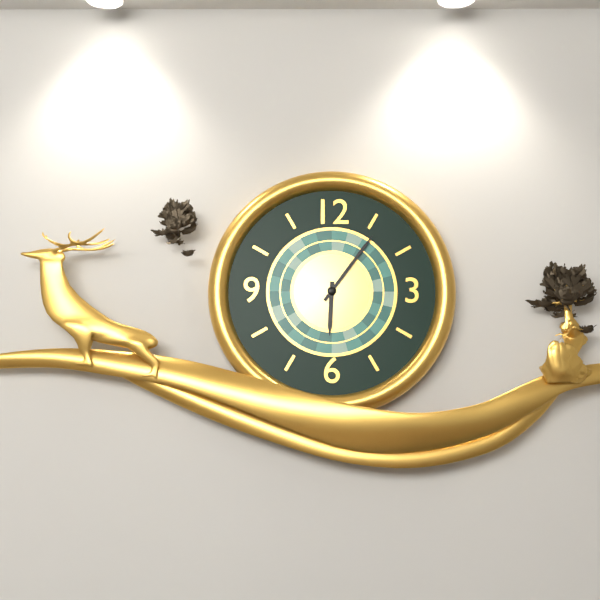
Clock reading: **6:06**
